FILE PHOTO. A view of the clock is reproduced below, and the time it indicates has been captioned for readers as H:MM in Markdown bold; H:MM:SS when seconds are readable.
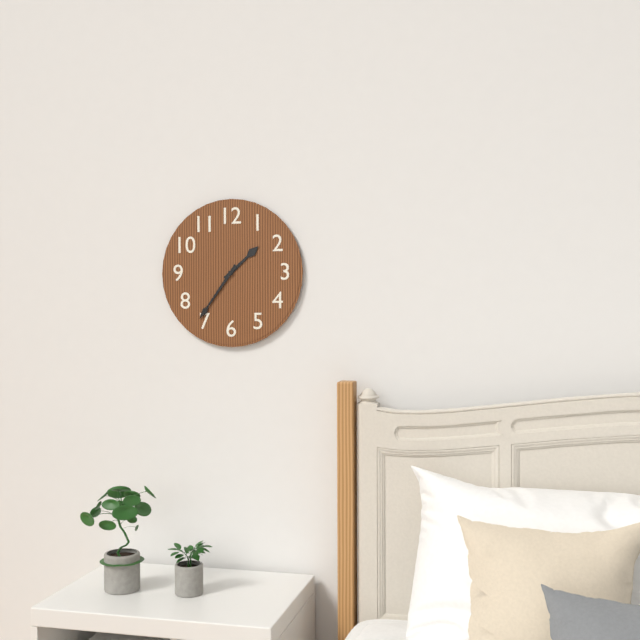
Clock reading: **1:36**
